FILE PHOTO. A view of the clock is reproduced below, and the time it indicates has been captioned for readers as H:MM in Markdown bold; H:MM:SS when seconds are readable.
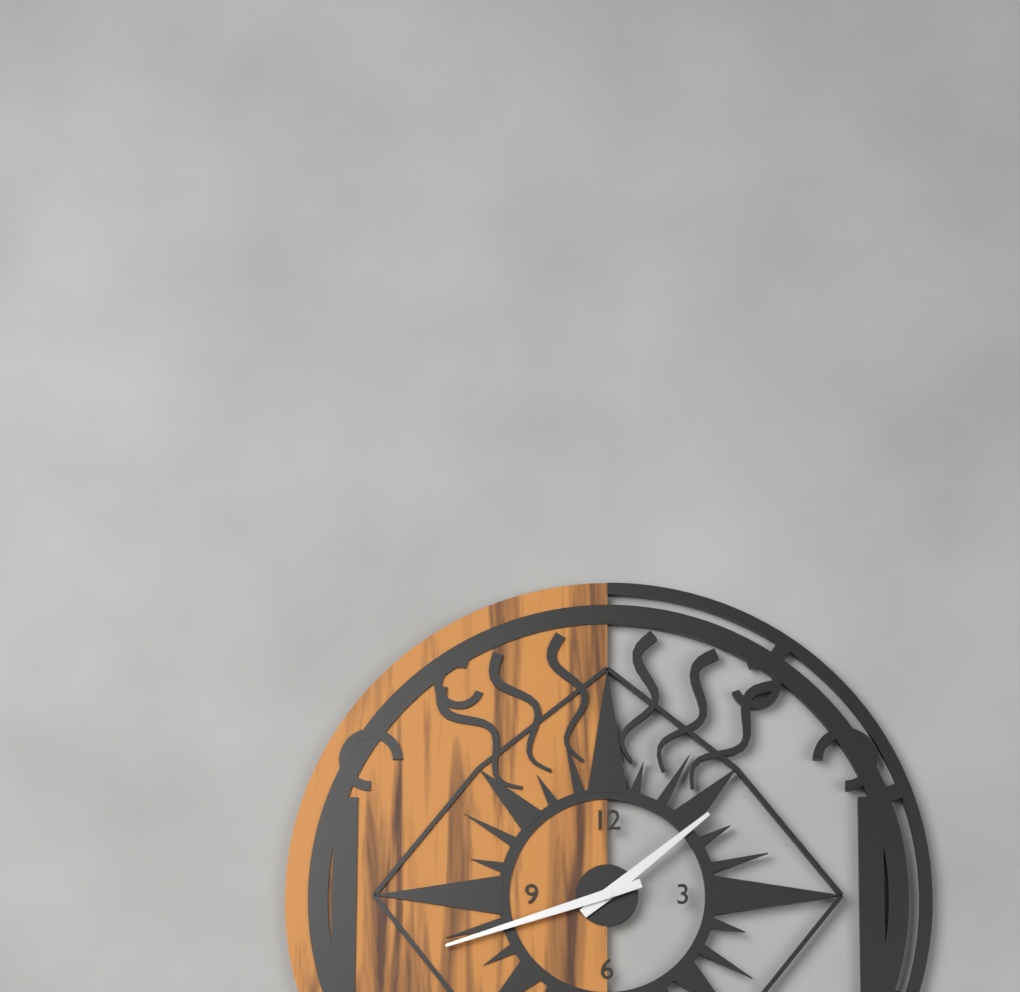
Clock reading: **1:42**
